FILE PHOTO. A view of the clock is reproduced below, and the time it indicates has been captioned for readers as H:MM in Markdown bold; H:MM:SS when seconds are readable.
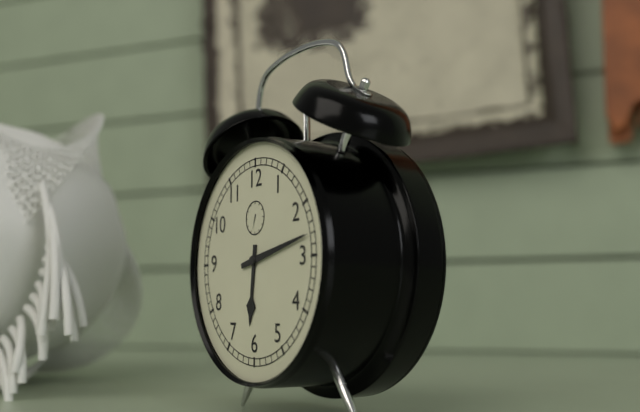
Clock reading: **6:13**
